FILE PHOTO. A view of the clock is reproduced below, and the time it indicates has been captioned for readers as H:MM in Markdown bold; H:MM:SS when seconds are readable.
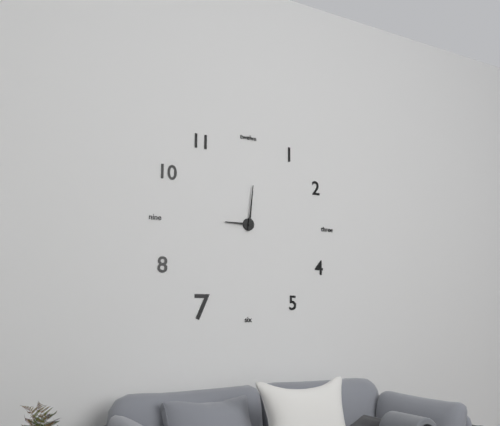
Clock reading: **9:01**
